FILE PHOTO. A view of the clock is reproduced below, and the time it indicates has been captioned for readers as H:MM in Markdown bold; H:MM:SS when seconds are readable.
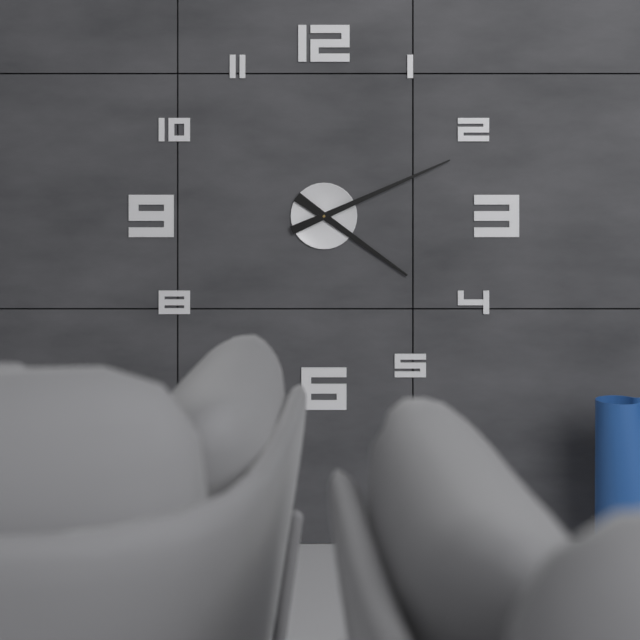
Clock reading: **4:11**
